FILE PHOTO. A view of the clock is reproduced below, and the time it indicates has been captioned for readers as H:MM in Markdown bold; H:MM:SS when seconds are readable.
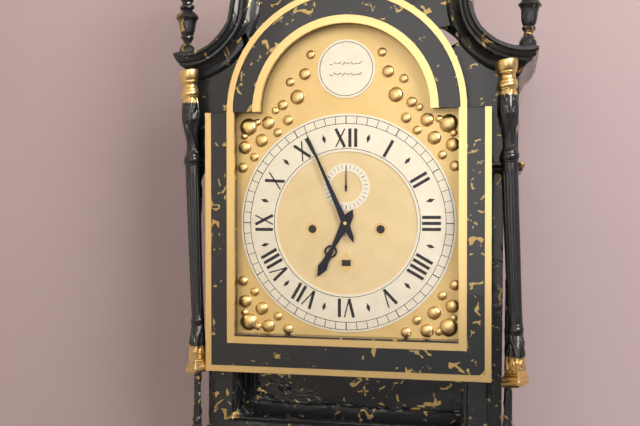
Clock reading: **6:56**
